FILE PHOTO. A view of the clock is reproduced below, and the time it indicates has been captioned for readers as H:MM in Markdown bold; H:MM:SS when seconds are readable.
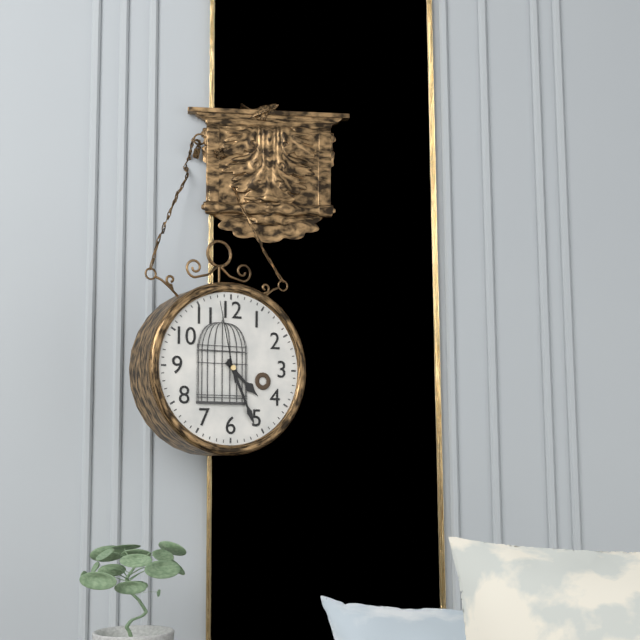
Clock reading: **4:26:58**
